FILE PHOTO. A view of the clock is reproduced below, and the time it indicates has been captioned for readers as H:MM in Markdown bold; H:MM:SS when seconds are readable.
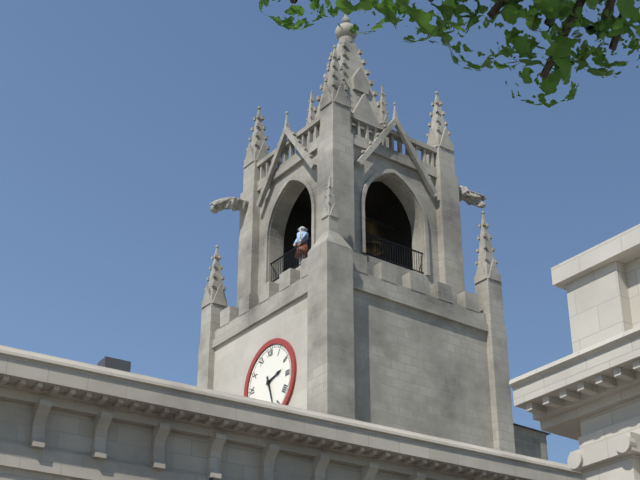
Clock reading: **2:27**
